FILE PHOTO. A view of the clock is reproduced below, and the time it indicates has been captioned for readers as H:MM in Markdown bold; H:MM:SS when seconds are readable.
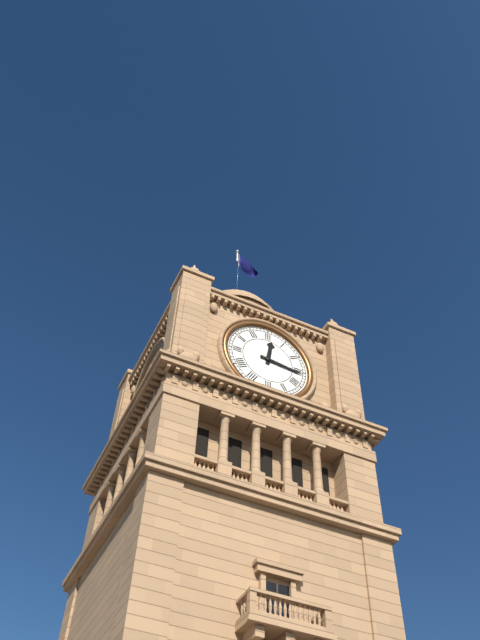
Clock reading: **12:16**
